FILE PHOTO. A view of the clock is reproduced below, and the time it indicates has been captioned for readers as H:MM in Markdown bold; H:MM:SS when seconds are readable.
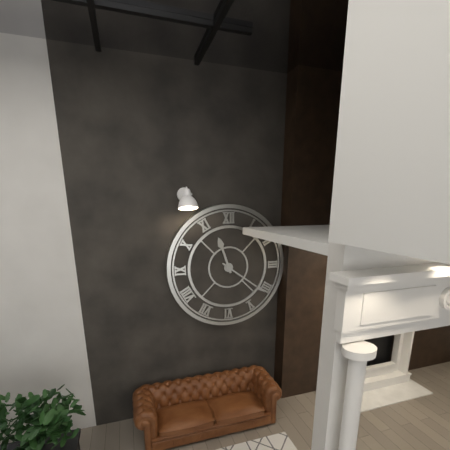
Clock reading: **11:21**
